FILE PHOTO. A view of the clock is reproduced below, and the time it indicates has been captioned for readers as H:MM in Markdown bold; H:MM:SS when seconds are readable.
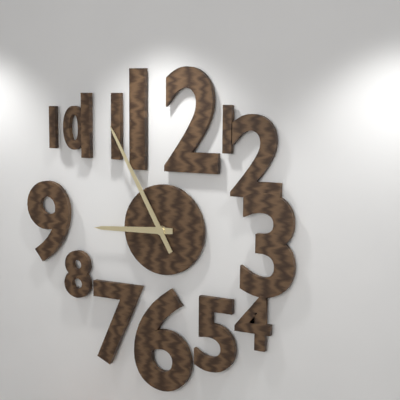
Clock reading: **8:55**
